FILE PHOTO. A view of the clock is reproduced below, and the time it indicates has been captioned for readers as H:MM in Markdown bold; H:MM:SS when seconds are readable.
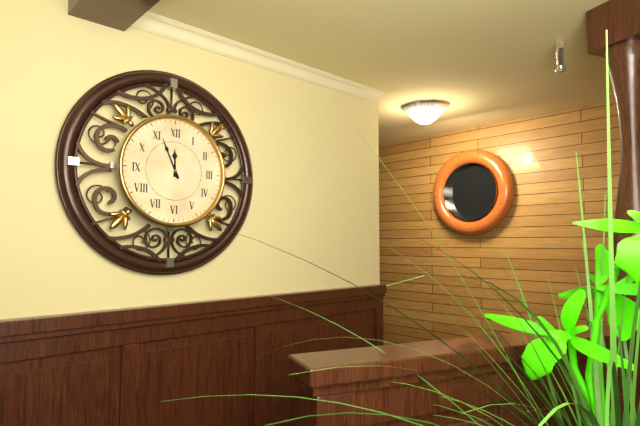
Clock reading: **11:56**
